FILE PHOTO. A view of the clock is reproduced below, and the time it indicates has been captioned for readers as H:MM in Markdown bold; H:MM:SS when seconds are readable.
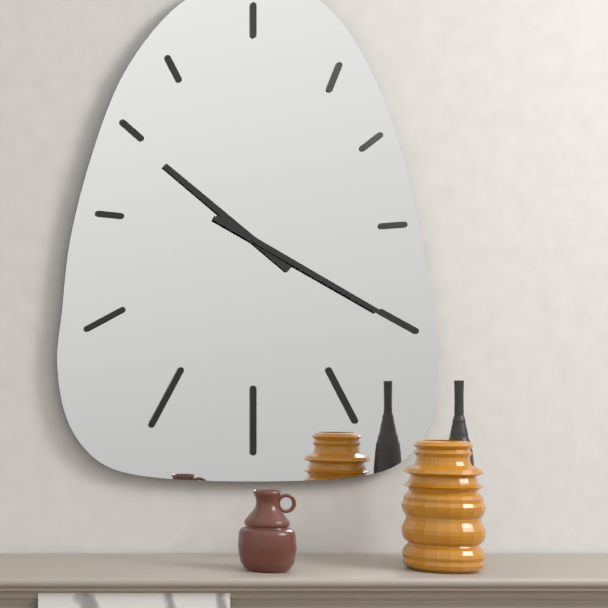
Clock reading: **10:20**
